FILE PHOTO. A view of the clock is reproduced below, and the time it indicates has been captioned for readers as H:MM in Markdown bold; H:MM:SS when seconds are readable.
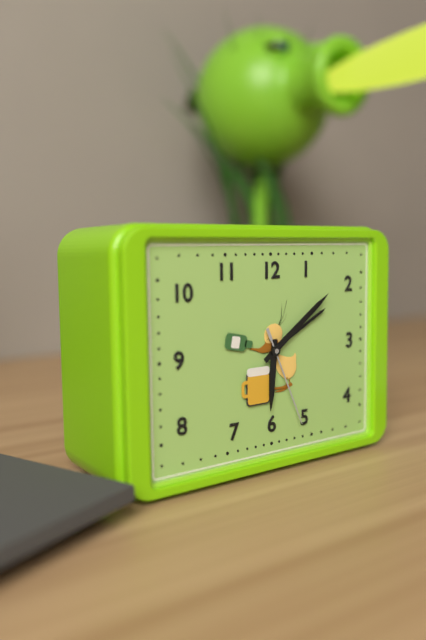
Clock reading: **6:09:26**
